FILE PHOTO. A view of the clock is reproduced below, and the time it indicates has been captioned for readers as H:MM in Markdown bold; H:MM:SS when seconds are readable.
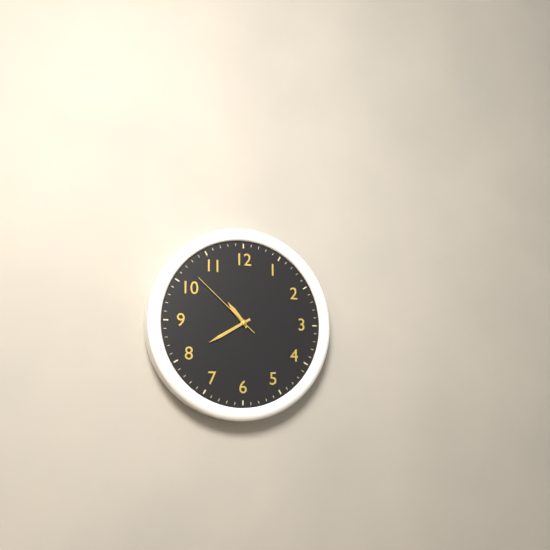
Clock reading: **10:40:52**
